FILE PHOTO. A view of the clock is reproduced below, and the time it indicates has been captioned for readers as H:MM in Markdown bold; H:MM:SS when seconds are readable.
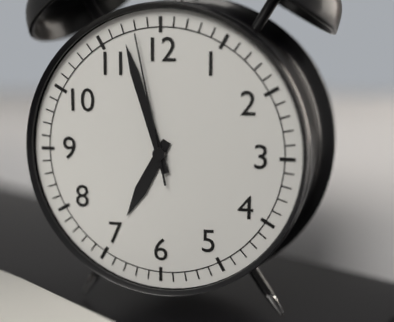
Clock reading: **6:57:58**
